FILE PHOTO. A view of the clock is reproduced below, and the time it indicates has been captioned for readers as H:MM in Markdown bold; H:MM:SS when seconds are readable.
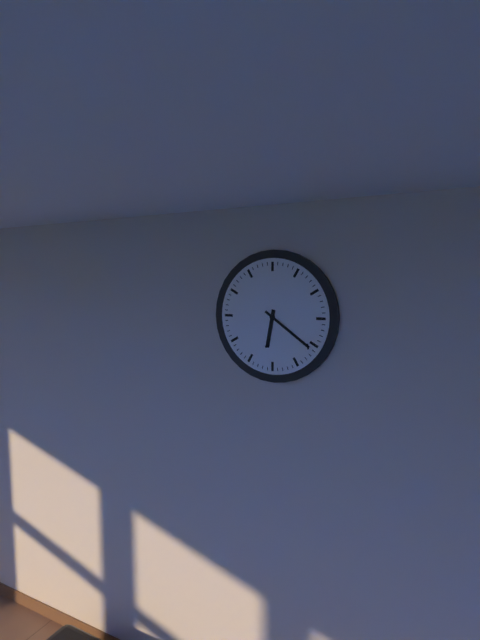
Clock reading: **6:21**
